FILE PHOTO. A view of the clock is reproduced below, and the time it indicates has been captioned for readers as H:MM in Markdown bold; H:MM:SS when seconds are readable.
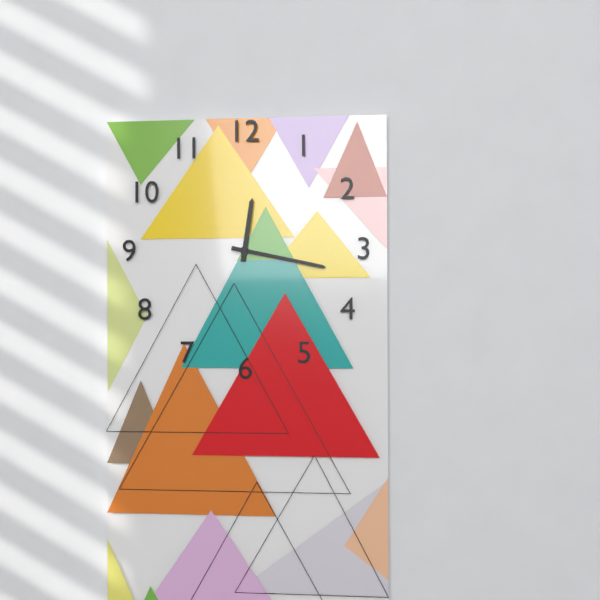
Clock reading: **12:17**
